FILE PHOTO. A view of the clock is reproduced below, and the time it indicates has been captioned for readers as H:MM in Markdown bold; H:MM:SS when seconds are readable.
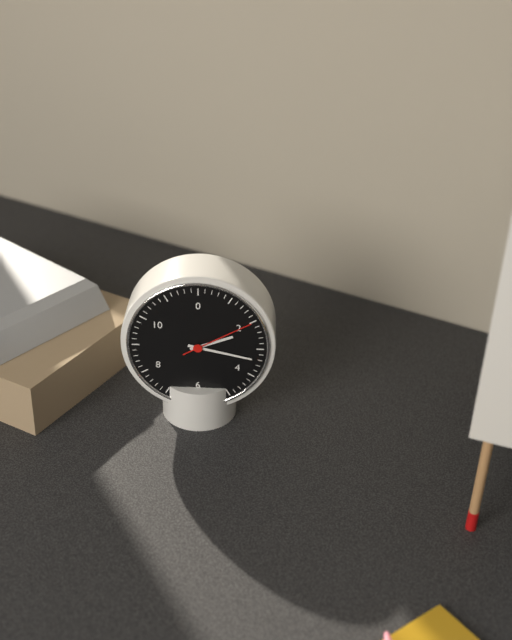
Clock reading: **2:17:10**
